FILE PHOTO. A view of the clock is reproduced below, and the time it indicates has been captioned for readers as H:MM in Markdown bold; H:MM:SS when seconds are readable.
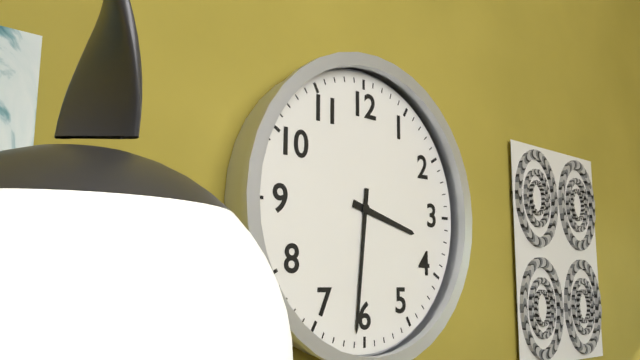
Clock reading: **3:31**
